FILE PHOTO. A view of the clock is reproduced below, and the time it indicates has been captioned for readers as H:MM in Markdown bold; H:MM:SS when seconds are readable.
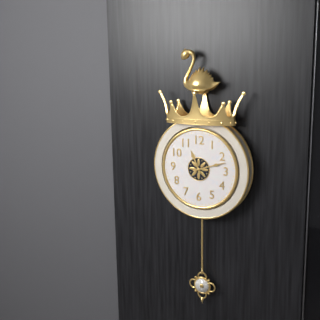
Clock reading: **11:12**
